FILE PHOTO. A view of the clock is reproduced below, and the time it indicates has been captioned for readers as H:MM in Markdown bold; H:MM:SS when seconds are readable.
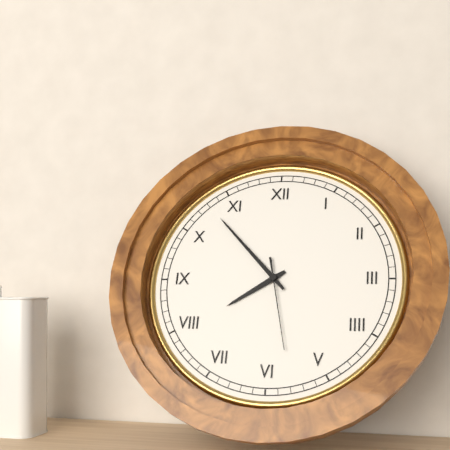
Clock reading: **7:53:28**
